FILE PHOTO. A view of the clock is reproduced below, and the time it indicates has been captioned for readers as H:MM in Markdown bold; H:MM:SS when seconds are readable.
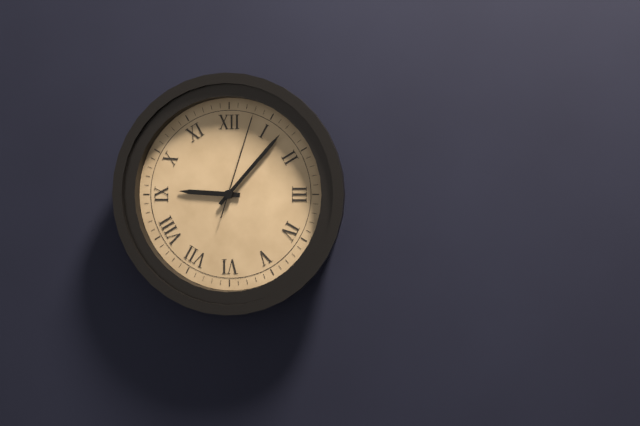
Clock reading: **9:07:03**
